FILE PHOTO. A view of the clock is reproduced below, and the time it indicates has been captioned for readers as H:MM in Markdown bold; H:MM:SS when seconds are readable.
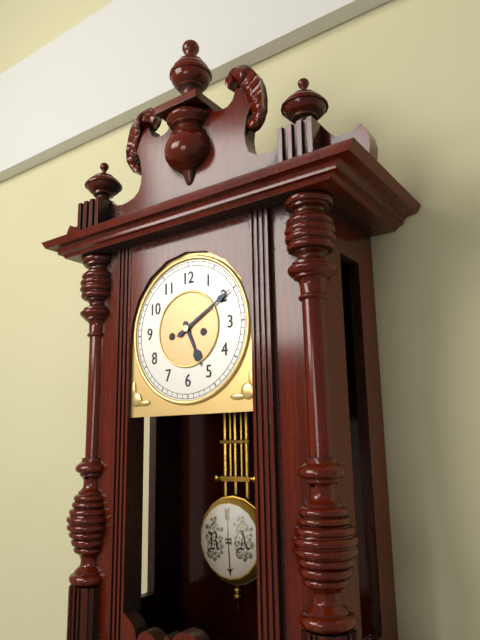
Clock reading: **5:10**
